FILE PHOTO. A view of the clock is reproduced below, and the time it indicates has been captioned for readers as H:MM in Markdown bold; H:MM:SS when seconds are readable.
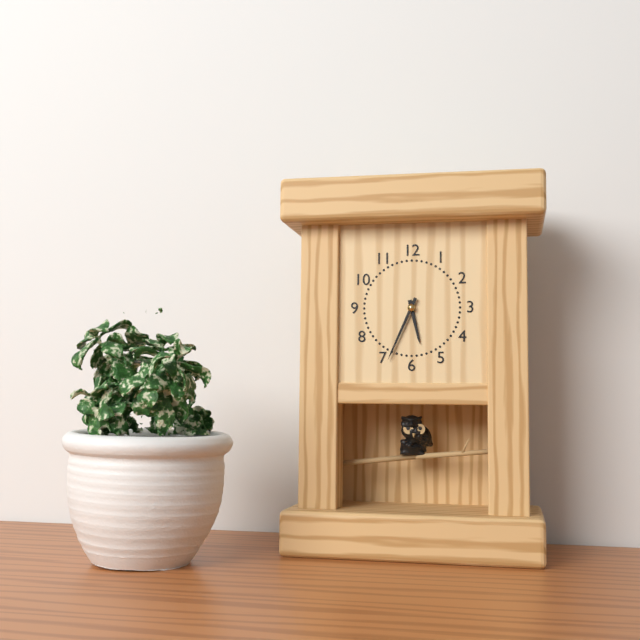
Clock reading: **5:34**
